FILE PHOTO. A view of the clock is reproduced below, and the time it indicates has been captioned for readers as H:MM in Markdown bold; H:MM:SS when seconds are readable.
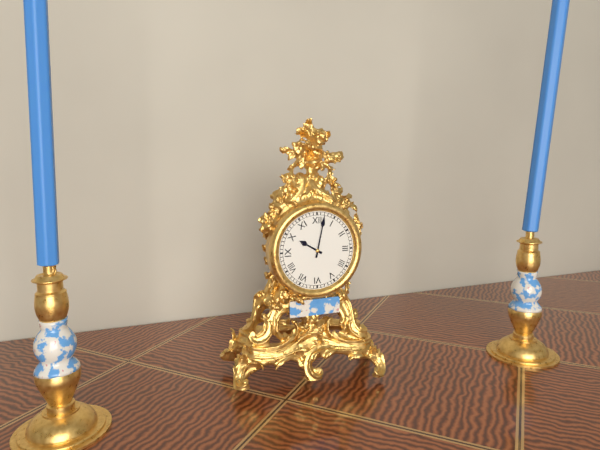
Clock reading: **10:02**
